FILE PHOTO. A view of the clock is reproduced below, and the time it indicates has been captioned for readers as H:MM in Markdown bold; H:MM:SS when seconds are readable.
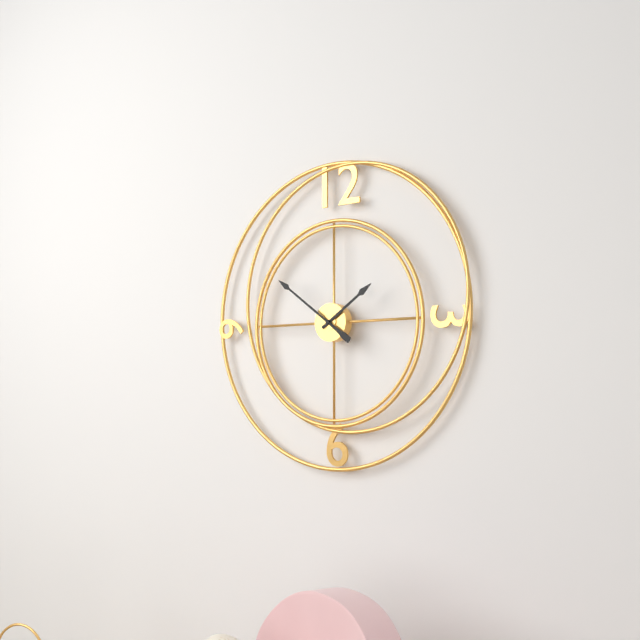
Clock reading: **1:51**
